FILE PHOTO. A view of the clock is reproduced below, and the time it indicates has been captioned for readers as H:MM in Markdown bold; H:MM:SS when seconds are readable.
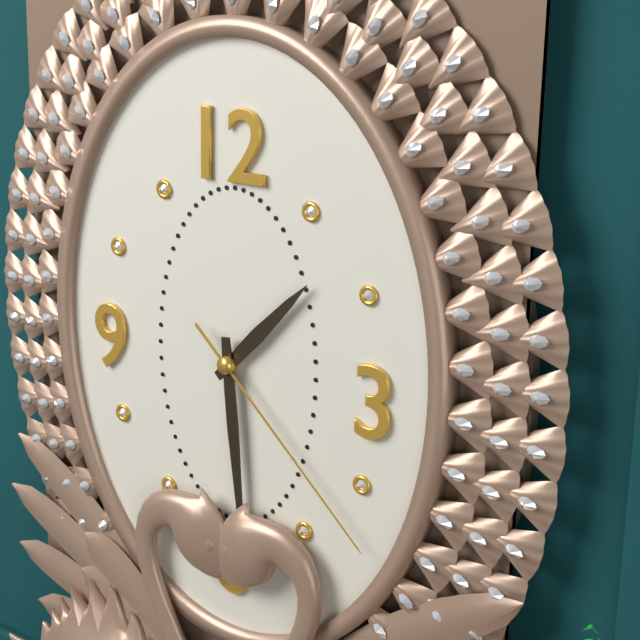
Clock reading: **1:29:22**
